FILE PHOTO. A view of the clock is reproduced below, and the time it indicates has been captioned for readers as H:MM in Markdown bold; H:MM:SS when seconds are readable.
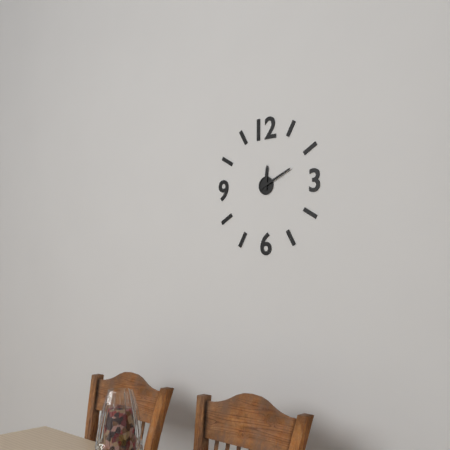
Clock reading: **12:11**
